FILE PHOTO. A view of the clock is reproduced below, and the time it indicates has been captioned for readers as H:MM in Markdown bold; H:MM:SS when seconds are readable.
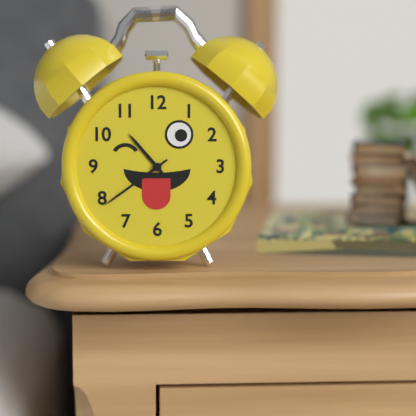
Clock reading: **10:39**
